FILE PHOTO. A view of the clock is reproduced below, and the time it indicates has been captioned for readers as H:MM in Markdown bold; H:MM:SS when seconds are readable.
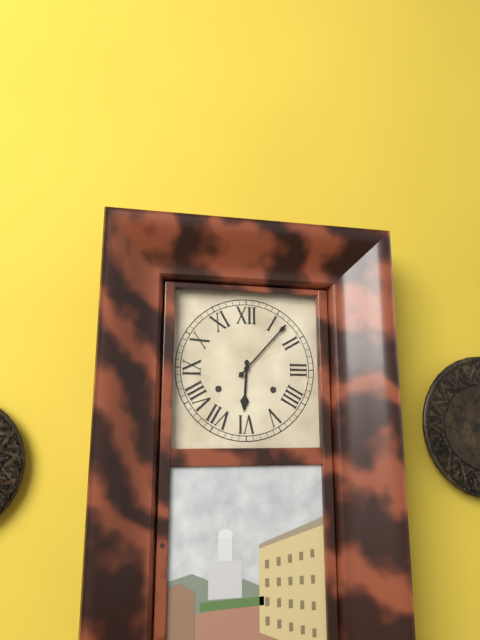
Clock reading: **6:07**
